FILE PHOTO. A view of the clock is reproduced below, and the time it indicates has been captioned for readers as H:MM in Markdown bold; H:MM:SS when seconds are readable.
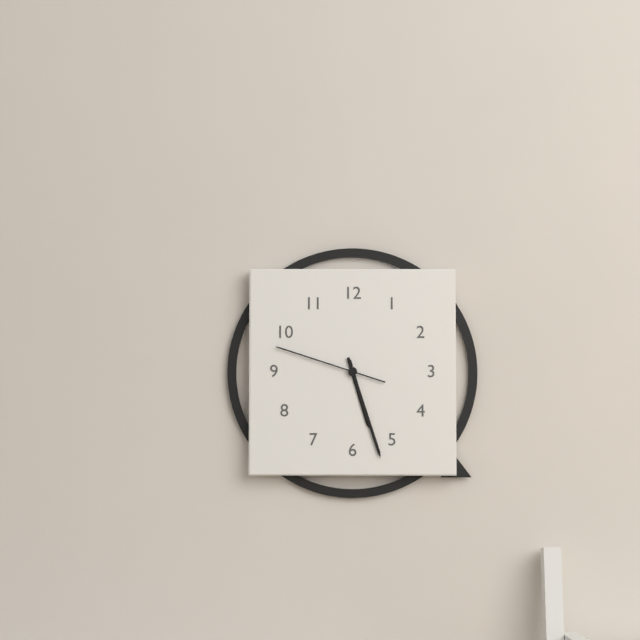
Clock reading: **5:27:48**
